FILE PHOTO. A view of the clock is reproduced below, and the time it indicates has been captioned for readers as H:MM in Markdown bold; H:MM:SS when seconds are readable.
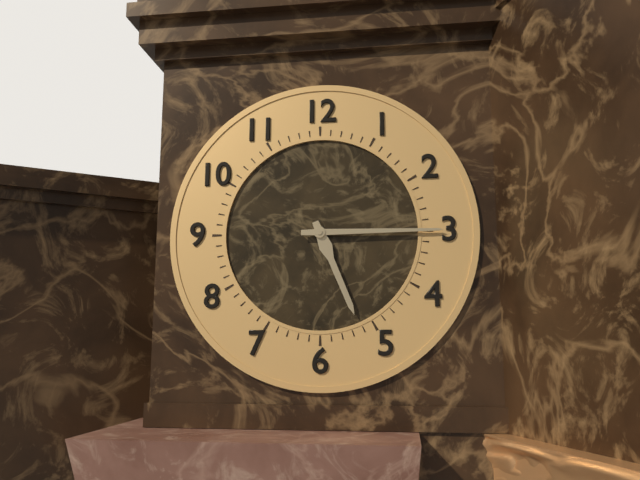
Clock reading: **5:15**
